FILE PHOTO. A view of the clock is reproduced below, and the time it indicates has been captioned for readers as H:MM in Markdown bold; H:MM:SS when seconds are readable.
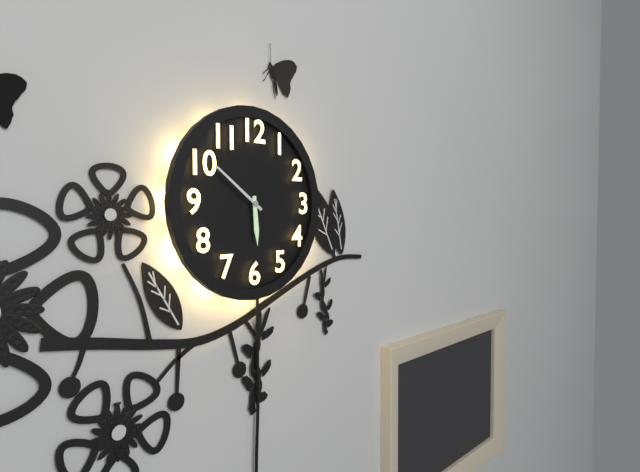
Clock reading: **5:51**
